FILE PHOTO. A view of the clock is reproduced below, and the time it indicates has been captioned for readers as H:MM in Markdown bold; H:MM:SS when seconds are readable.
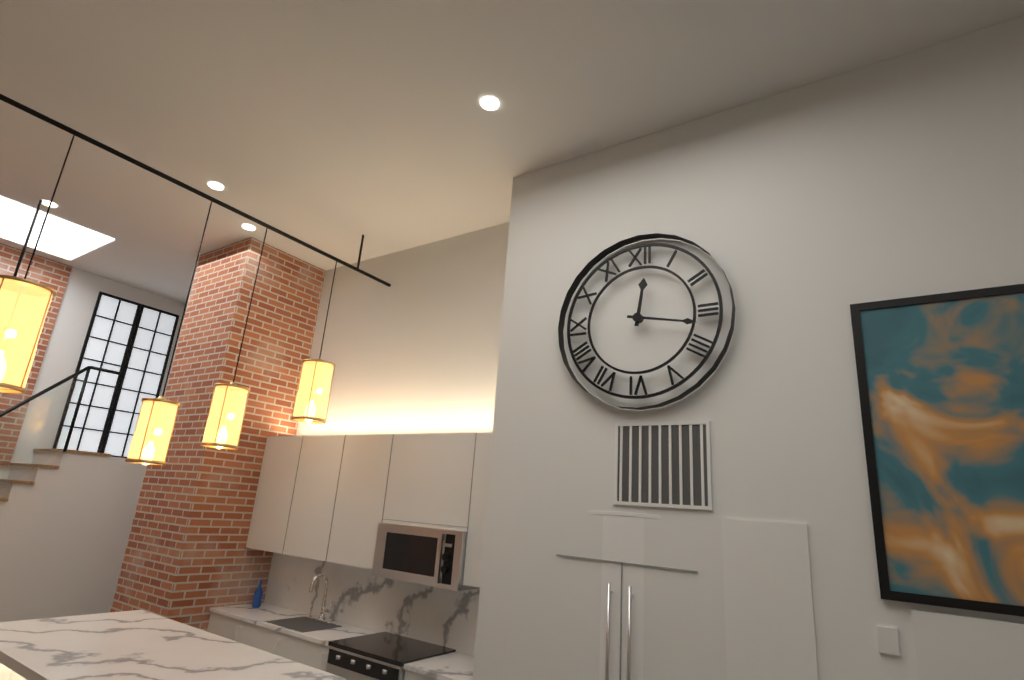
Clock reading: **12:17**
